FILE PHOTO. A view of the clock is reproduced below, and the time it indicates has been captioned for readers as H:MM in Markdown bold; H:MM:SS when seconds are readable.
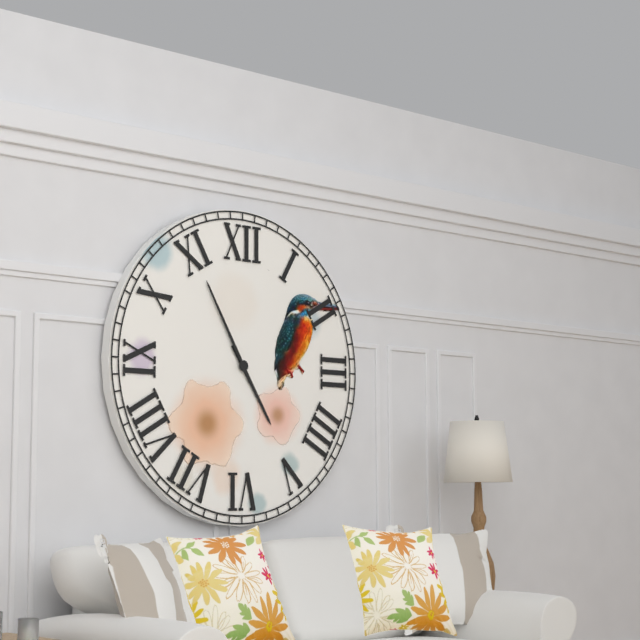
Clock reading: **4:55**
